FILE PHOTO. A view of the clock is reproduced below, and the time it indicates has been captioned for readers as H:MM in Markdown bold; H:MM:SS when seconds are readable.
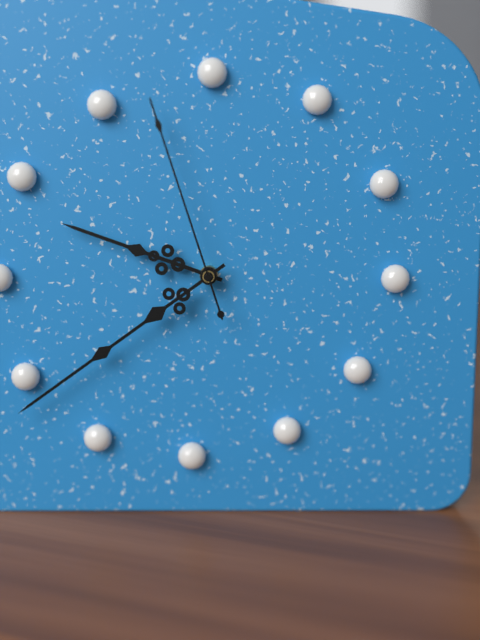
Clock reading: **9:39:57**
